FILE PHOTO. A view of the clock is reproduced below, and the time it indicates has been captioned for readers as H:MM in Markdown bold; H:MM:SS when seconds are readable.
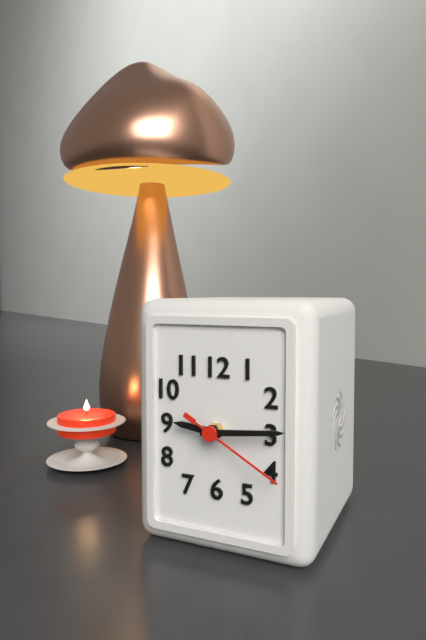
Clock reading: **9:14:20**
